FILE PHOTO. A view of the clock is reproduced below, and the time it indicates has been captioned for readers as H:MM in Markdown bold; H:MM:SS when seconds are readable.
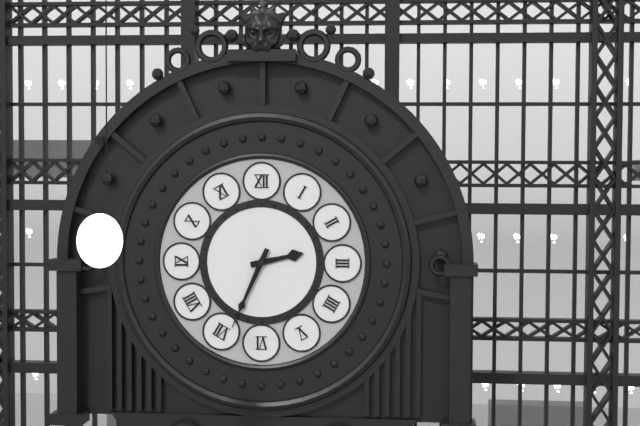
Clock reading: **2:34**
